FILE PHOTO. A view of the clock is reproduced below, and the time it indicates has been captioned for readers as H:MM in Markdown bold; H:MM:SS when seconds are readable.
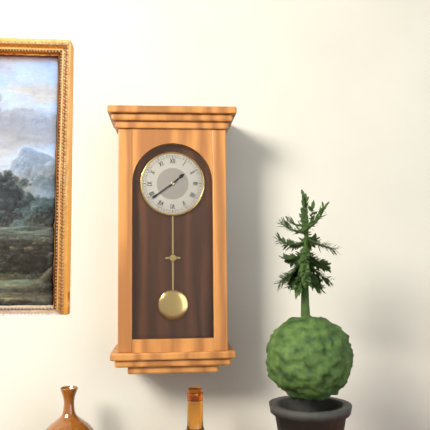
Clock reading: **1:39**
